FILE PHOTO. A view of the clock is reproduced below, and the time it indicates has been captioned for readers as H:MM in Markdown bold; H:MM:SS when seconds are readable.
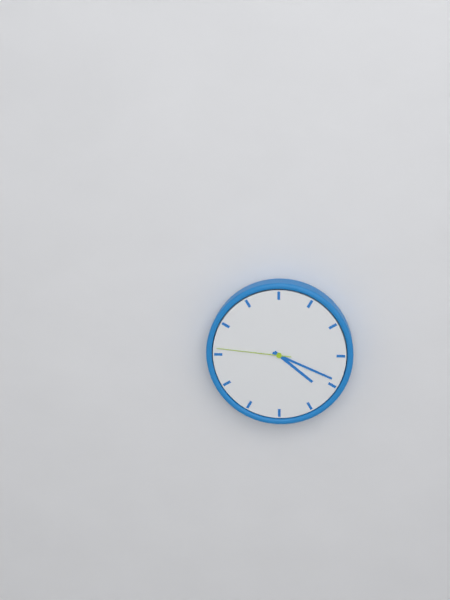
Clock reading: **4:19:46**
